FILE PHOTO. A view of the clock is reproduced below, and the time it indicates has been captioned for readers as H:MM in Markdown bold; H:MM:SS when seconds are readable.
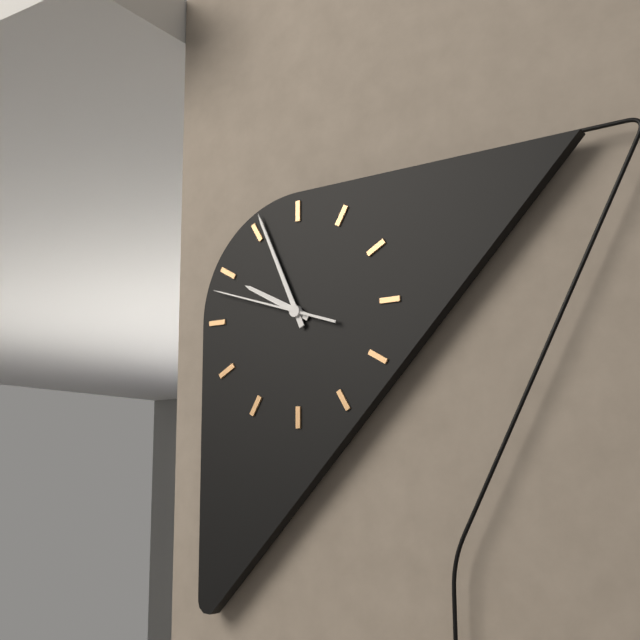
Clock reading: **9:56:48**
